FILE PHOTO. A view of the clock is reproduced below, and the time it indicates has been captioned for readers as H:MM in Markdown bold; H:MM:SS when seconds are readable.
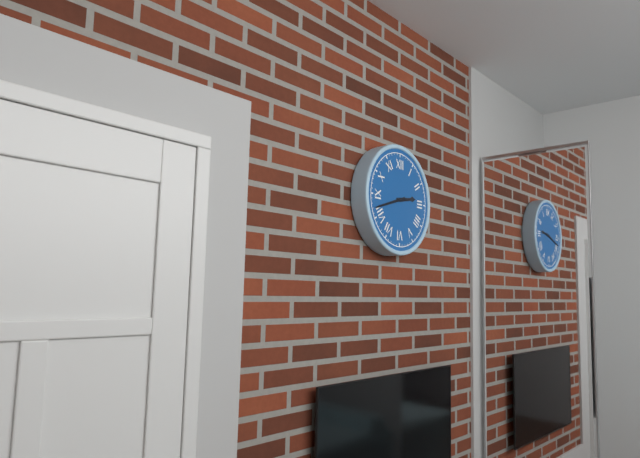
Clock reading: **2:42**
